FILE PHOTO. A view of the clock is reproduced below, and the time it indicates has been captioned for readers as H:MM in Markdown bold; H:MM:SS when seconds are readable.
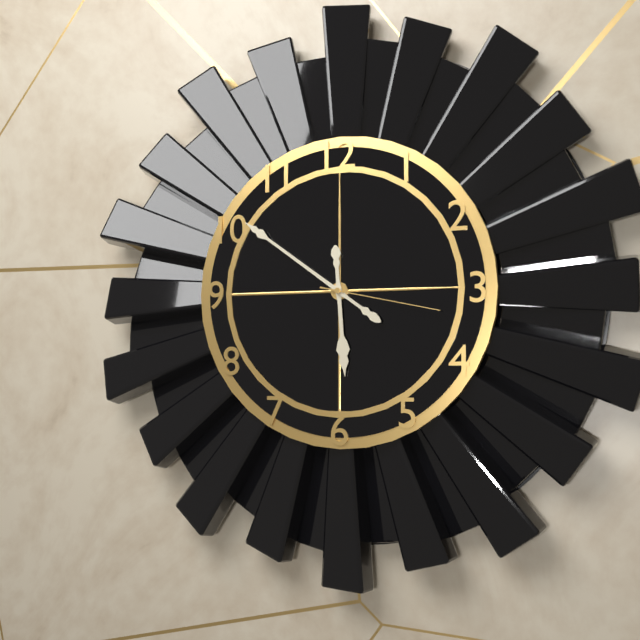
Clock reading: **5:51:17**
